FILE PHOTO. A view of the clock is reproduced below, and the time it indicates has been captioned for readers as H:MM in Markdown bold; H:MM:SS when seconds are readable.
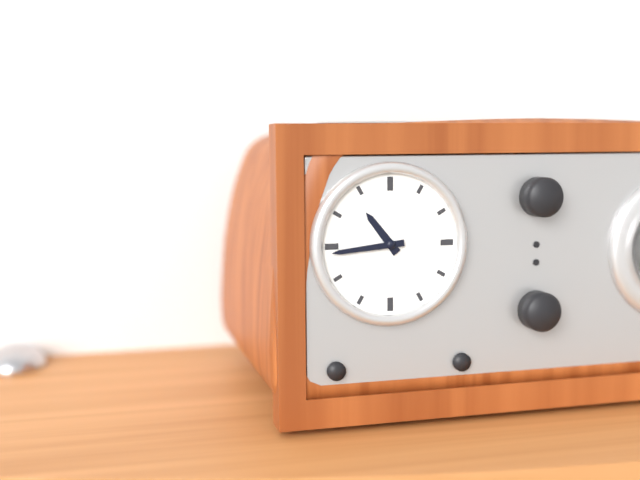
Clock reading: **10:44**
